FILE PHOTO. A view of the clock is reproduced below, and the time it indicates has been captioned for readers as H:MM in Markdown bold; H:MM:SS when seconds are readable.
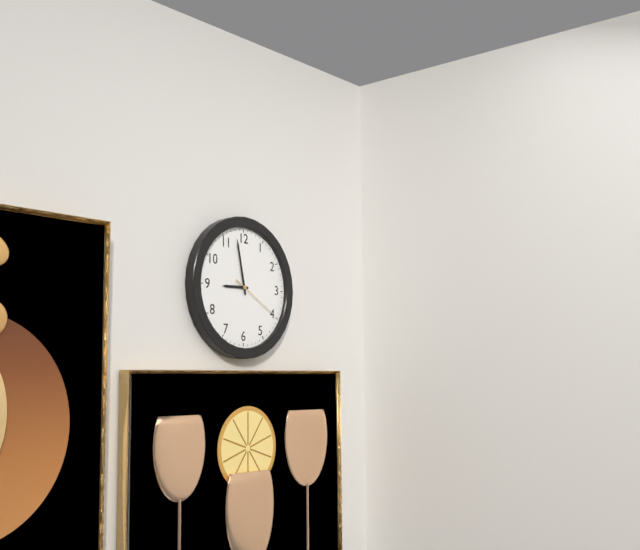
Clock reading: **8:58:20**
